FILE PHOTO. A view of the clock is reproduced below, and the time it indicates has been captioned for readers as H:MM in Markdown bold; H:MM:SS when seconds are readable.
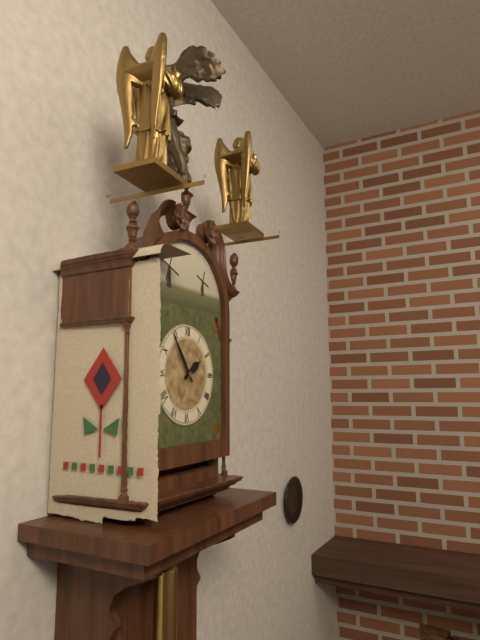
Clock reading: **1:54**
